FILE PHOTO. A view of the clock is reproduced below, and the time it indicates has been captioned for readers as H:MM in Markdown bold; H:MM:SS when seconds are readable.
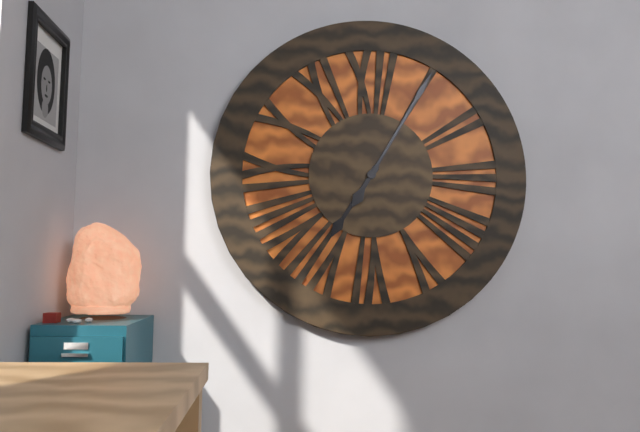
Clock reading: **7:05**
